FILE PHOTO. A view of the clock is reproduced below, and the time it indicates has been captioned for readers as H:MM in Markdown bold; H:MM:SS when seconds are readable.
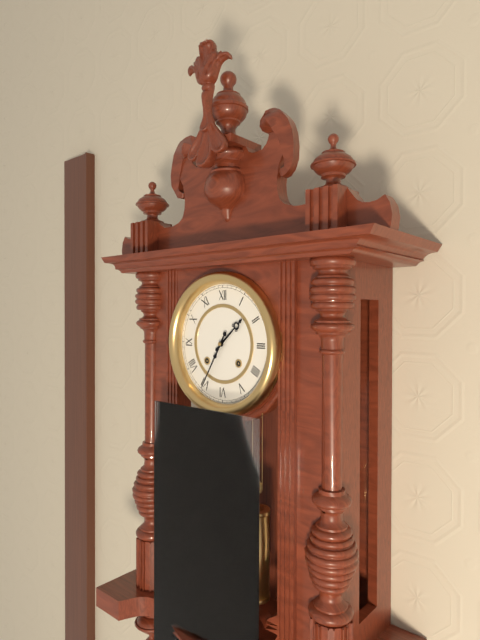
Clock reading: **1:35**
